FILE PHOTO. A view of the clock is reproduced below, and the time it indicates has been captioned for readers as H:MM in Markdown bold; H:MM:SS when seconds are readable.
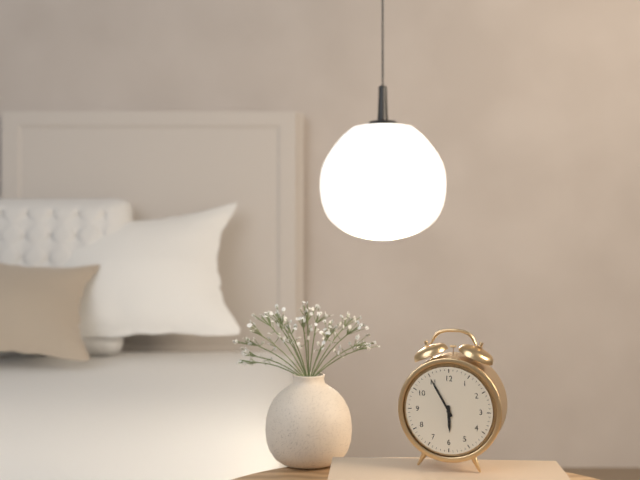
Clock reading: **5:55**
